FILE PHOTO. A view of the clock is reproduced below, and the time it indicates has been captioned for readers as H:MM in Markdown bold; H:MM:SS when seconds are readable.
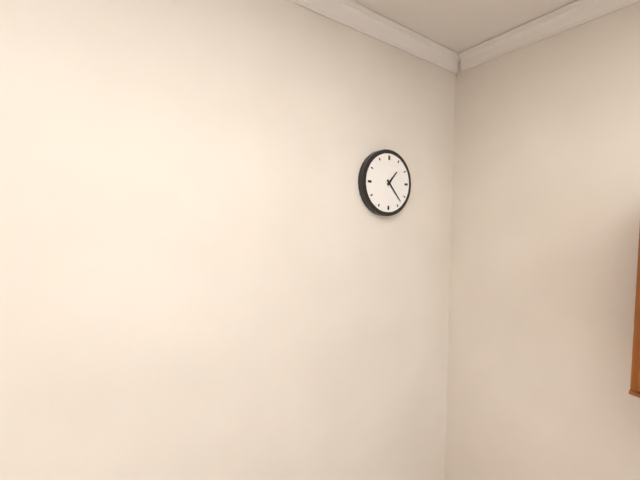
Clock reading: **1:23**
